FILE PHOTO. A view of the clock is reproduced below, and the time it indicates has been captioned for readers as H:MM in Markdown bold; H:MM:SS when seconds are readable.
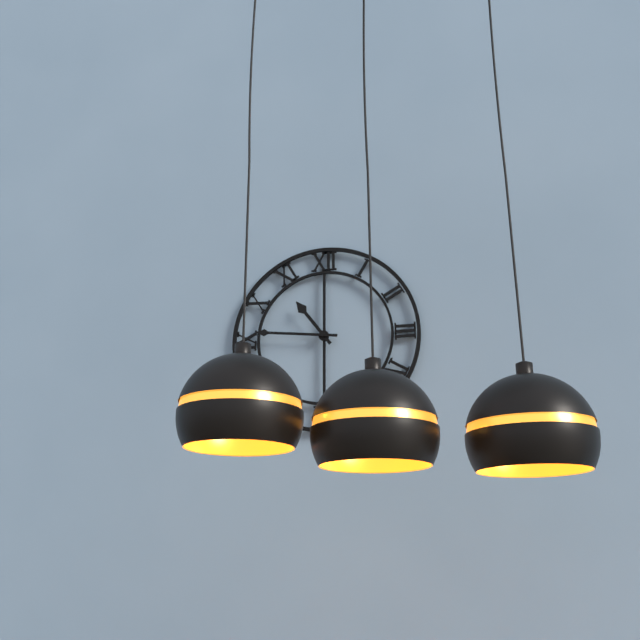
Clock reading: **10:46**
